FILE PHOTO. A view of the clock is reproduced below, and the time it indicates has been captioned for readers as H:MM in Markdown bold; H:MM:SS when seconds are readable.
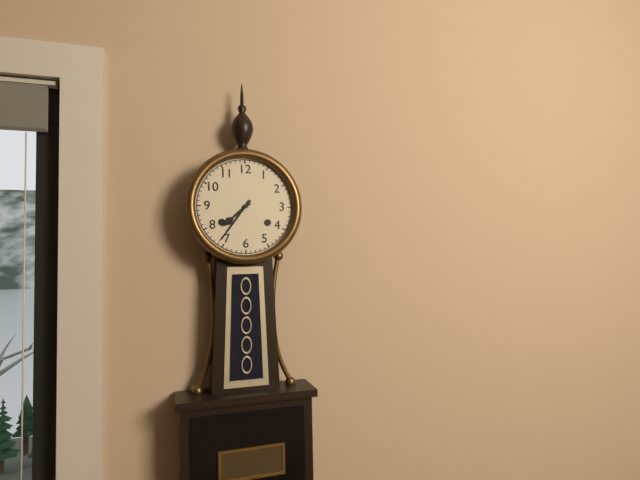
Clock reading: **7:36**
